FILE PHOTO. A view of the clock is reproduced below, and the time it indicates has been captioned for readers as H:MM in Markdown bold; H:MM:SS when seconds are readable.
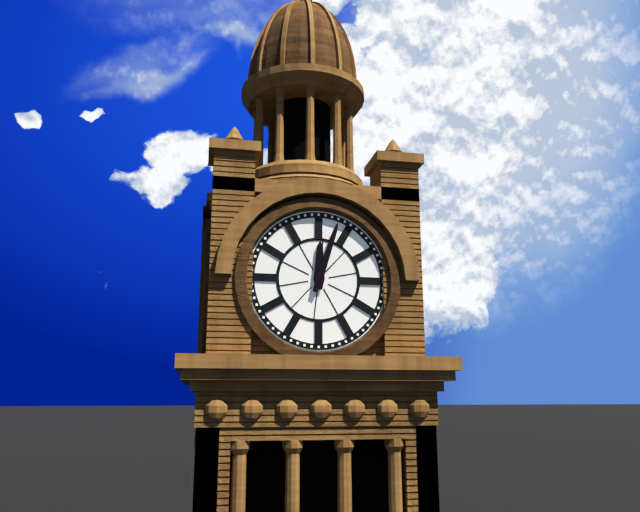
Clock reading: **12:03**
